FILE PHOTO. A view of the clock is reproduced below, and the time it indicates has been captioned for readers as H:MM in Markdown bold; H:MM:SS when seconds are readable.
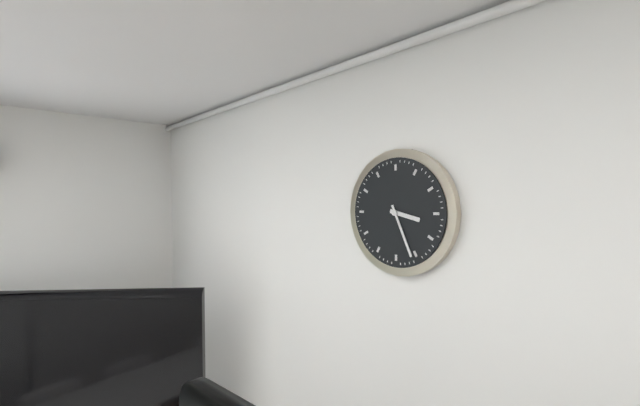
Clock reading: **3:26**
